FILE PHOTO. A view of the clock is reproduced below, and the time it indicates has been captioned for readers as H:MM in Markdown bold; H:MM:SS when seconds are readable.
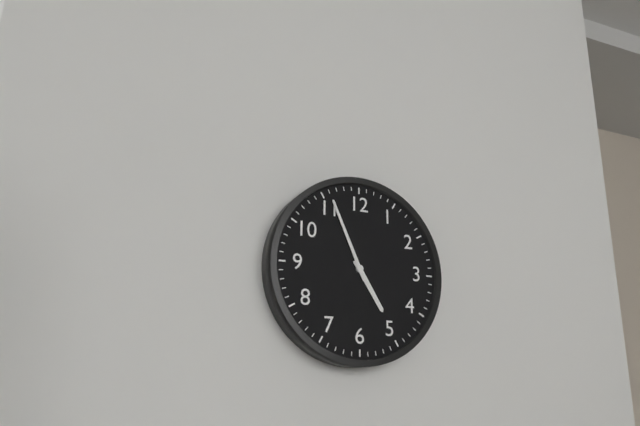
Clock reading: **4:56**
